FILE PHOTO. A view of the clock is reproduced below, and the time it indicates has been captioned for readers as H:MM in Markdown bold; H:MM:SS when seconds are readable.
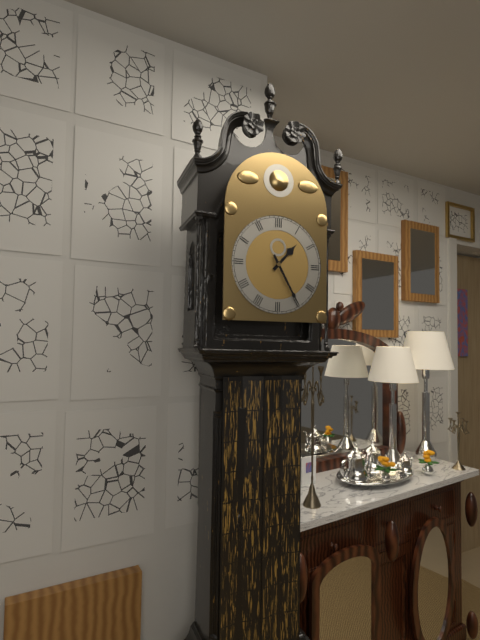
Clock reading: **1:25**
